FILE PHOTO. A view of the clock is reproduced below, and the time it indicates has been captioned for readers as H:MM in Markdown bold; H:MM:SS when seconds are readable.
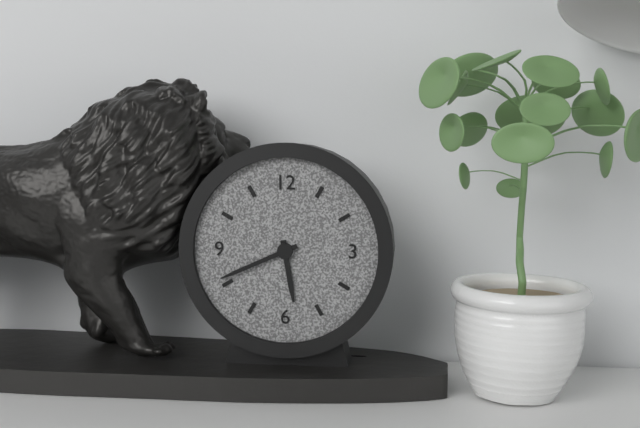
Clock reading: **5:41**
